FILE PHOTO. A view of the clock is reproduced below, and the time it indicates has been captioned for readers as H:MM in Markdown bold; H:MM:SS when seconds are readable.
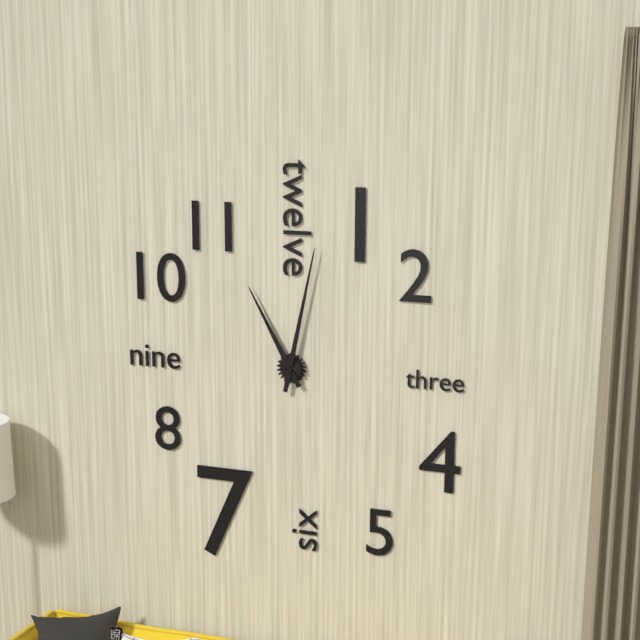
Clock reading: **11:02**
